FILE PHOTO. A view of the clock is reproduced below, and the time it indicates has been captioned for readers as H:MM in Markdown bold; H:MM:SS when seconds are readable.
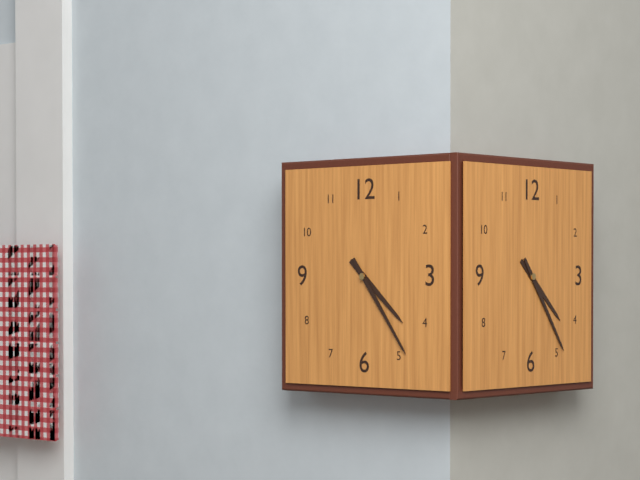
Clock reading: **4:24**
